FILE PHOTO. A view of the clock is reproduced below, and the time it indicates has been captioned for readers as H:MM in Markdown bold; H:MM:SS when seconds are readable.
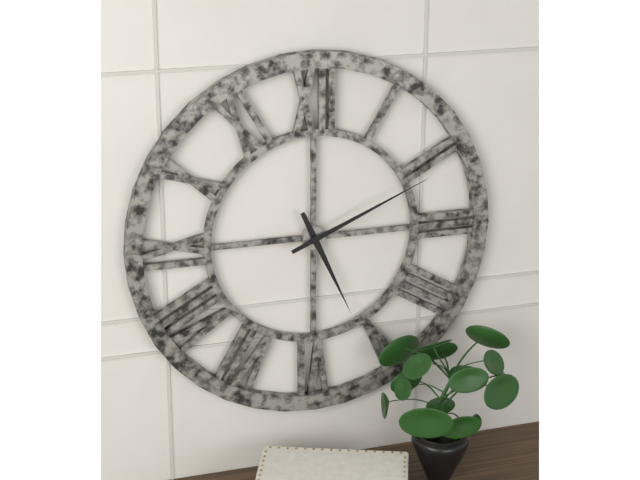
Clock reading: **5:11**
